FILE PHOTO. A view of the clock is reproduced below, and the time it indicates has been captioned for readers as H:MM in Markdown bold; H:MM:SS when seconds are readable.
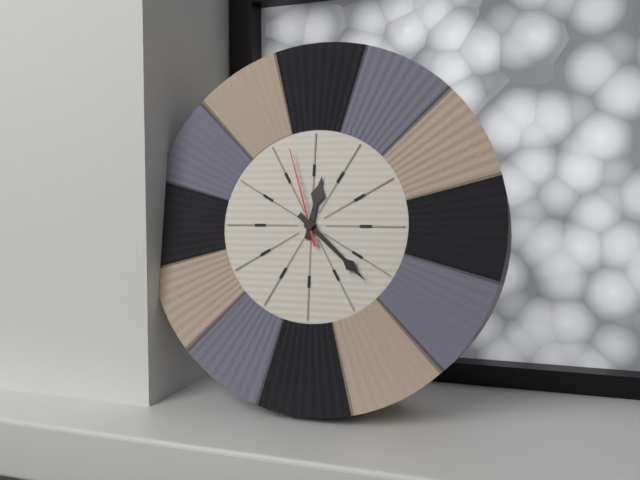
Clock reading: **12:22:57**
